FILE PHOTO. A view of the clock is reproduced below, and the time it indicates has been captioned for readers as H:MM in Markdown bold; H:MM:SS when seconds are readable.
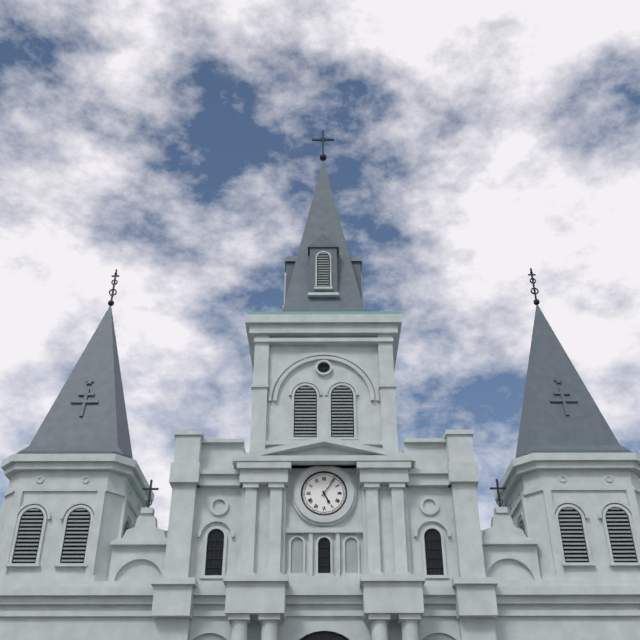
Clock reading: **5:06**
